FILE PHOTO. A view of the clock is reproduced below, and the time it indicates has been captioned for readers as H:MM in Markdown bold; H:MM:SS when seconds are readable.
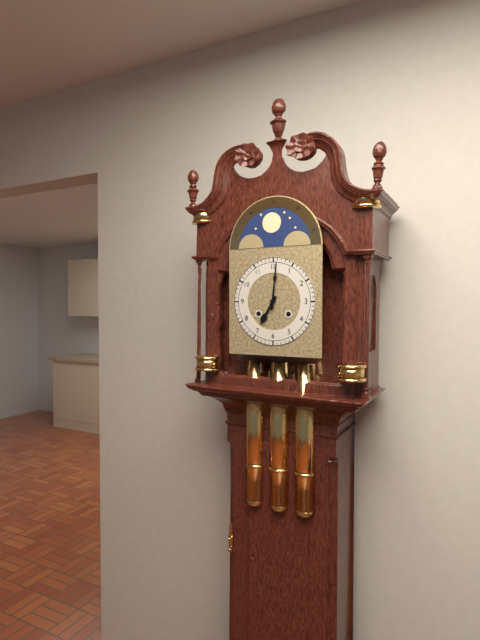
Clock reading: **7:01**
